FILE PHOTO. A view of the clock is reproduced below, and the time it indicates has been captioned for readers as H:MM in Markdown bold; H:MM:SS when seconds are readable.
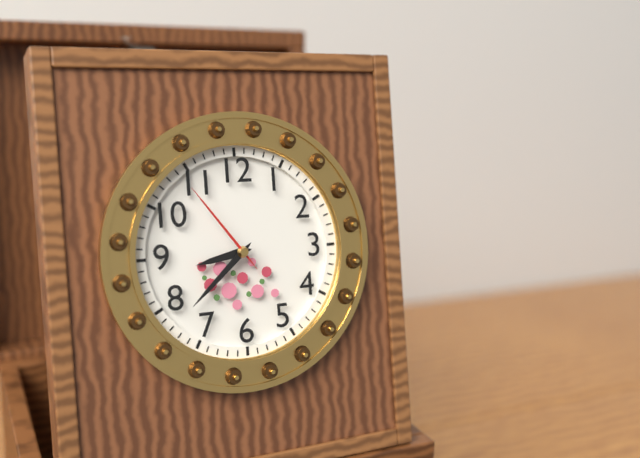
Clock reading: **8:38:54**
